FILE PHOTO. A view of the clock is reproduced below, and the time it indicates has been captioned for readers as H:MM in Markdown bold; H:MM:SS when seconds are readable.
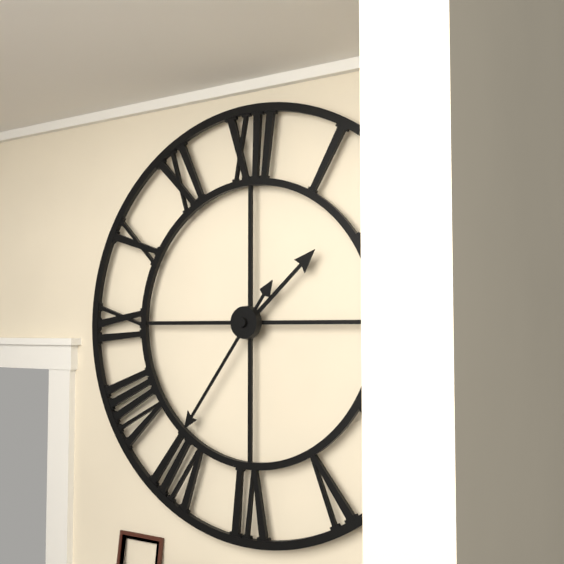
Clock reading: **1:36**
